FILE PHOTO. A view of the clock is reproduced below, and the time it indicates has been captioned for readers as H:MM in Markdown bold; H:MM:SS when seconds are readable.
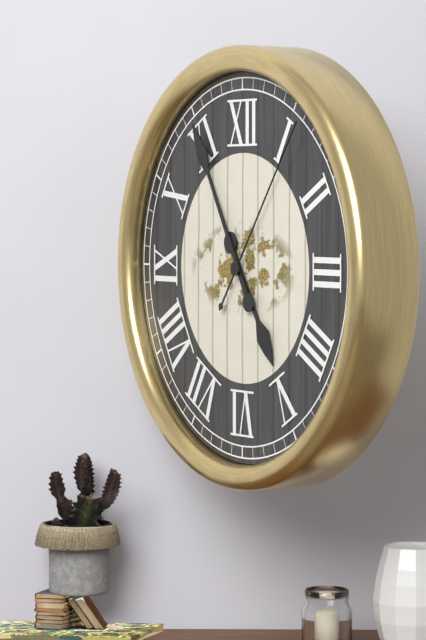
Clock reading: **4:55:06**
